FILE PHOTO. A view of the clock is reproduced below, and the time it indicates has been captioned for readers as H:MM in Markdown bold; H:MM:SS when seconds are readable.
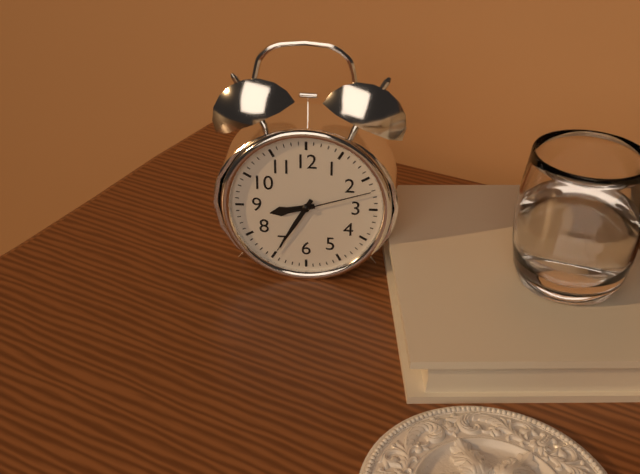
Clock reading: **8:35:12**
